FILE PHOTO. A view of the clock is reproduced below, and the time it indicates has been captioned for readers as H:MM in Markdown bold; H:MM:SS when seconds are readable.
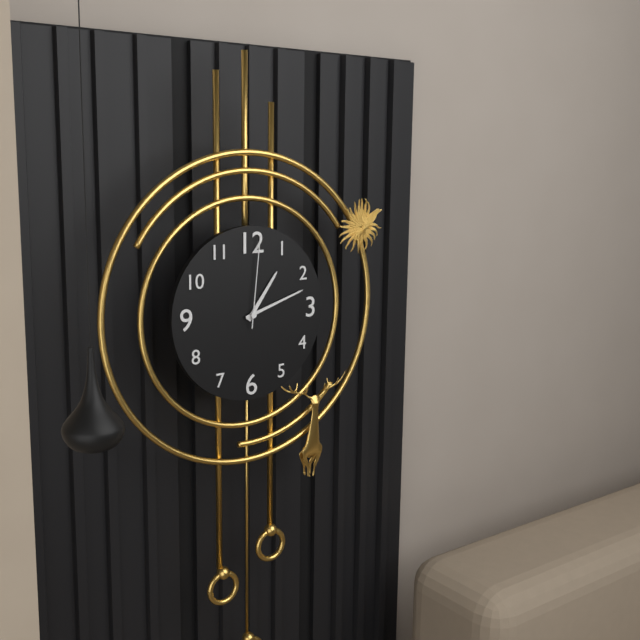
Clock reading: **1:12:01**
